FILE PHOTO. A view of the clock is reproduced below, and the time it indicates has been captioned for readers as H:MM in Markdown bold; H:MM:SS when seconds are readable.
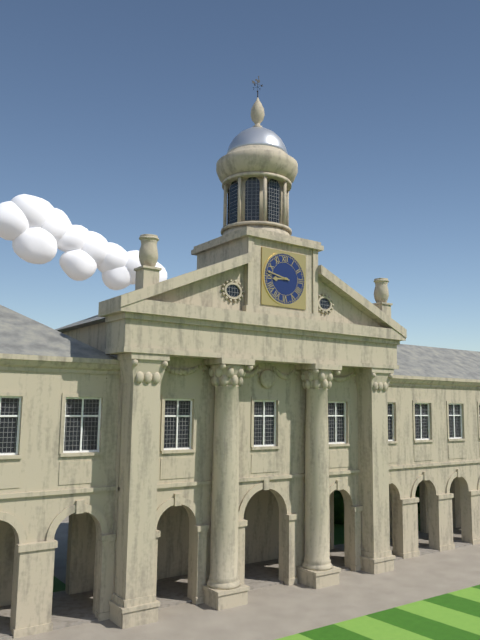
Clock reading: **8:47**
